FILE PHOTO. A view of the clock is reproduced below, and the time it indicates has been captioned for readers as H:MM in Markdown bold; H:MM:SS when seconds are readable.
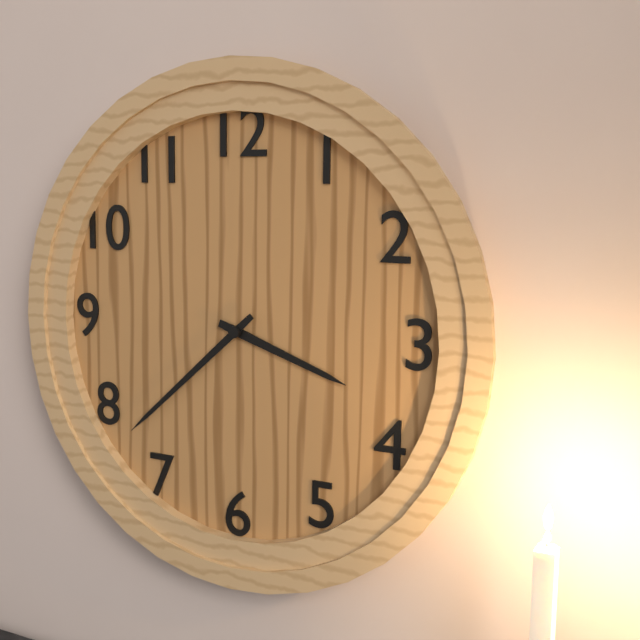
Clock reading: **3:38**
